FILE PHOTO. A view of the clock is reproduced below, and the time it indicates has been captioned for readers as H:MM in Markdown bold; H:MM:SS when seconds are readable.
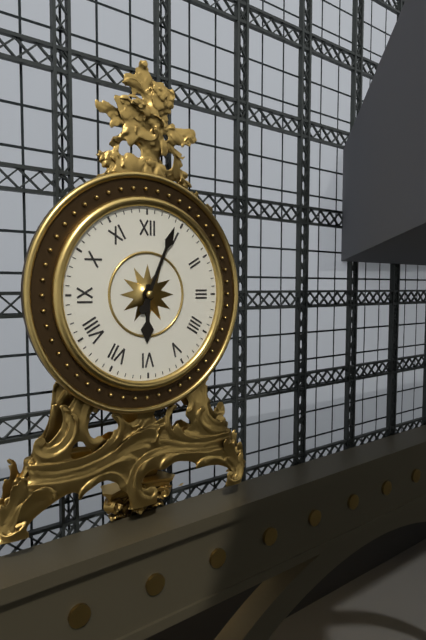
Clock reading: **6:04**
